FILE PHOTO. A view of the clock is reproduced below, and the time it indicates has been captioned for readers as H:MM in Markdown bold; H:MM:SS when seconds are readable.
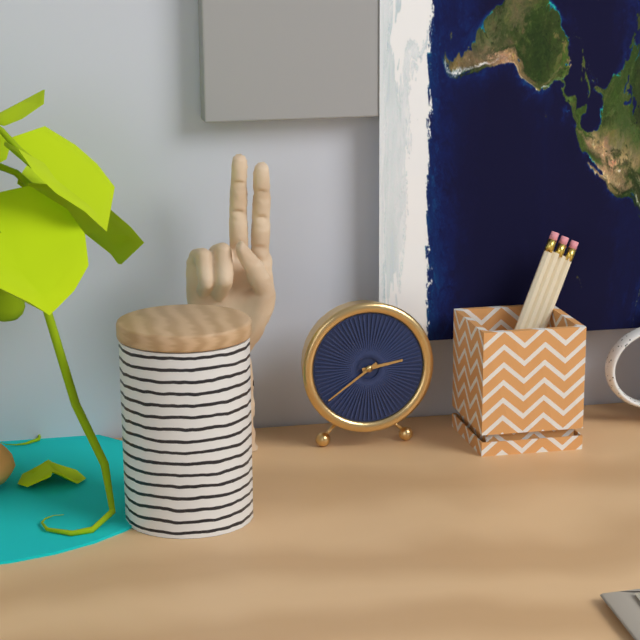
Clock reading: **2:39**
